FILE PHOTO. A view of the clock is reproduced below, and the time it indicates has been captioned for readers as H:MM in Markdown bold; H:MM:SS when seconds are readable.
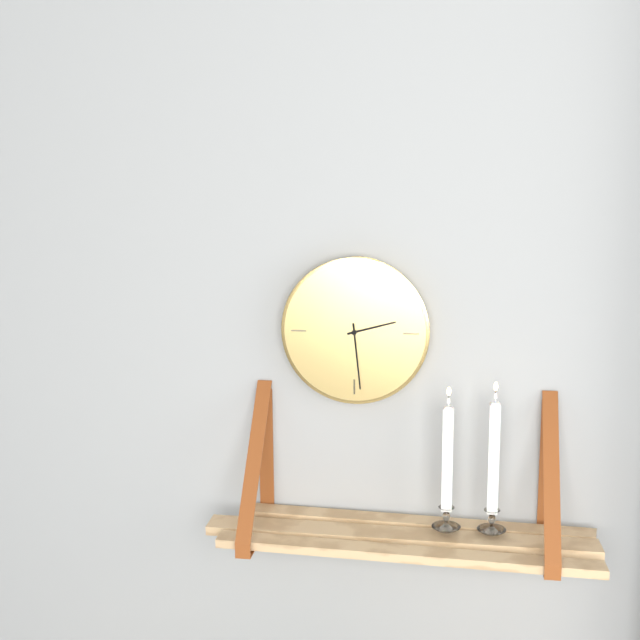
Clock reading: **2:29**
